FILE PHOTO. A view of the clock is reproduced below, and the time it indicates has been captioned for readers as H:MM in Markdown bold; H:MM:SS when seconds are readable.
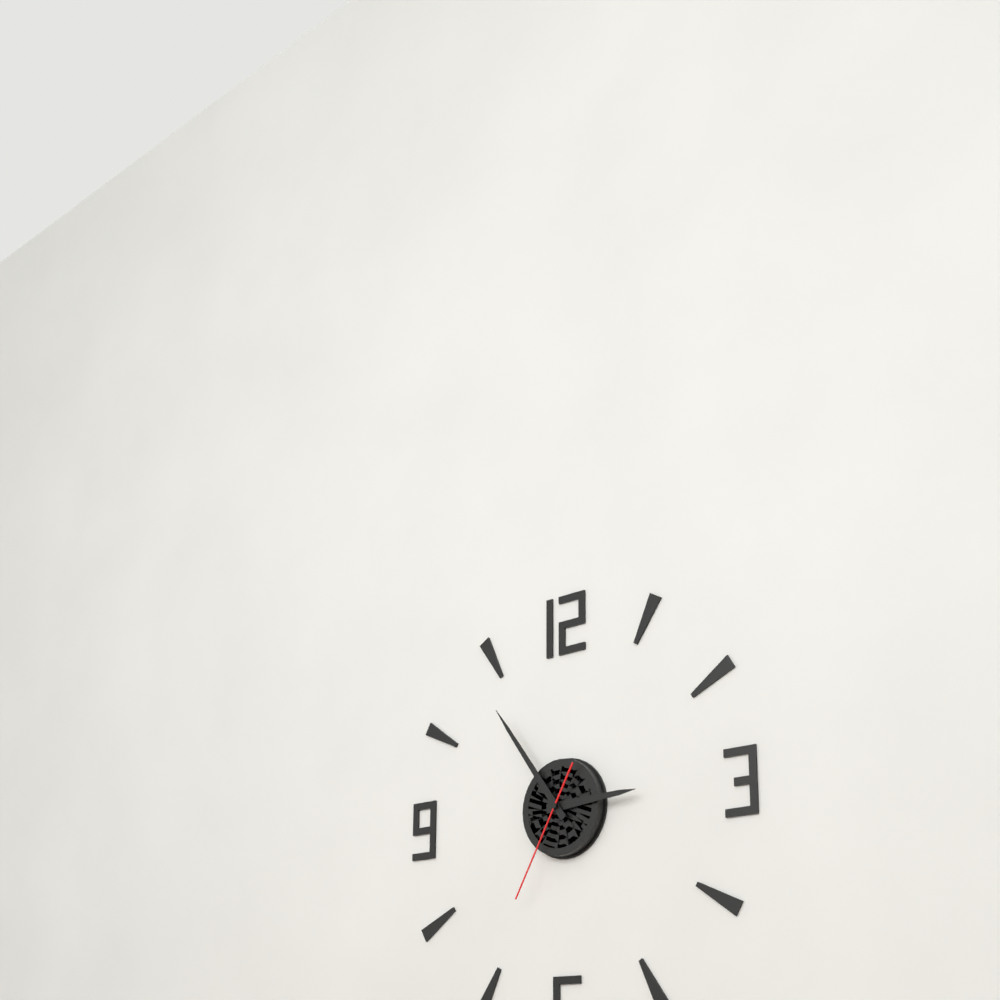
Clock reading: **2:54:35**
